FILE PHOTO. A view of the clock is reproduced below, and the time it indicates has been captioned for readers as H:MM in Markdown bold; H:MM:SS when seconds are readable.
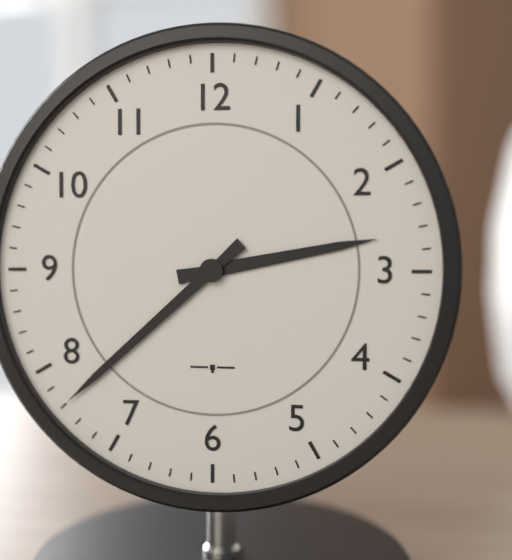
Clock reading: **2:38**
